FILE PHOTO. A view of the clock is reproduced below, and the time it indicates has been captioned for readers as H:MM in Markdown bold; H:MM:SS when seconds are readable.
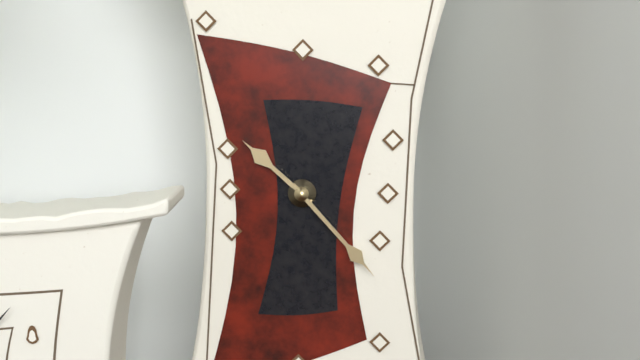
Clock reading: **10:23**
